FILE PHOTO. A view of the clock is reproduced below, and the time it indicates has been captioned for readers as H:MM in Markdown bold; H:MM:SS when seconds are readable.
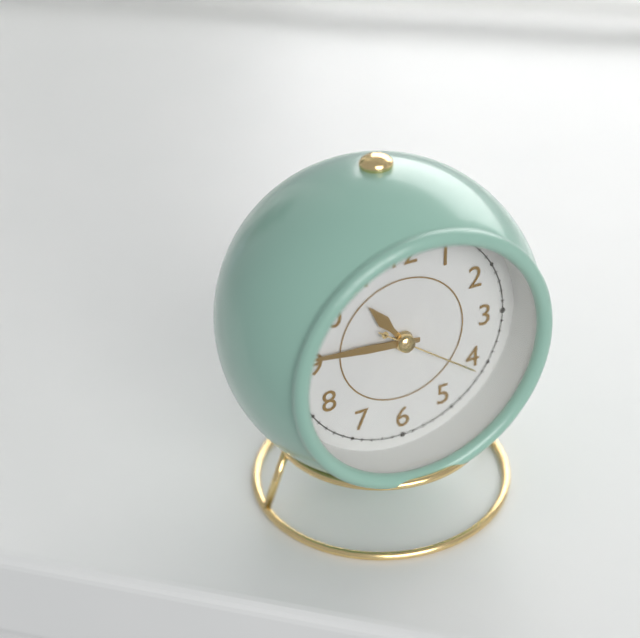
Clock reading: **10:46:21**
